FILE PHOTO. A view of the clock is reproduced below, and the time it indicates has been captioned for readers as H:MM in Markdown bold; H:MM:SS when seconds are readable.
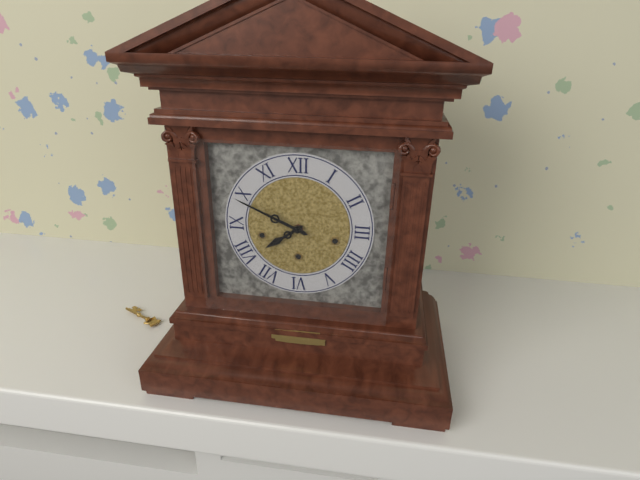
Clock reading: **7:49**
